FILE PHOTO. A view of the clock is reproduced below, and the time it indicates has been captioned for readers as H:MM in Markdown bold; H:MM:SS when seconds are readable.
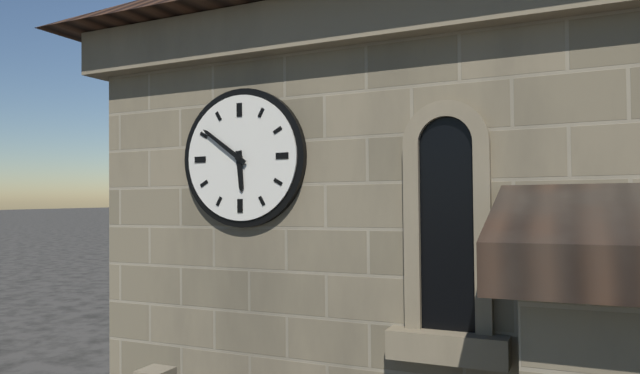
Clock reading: **5:51**
